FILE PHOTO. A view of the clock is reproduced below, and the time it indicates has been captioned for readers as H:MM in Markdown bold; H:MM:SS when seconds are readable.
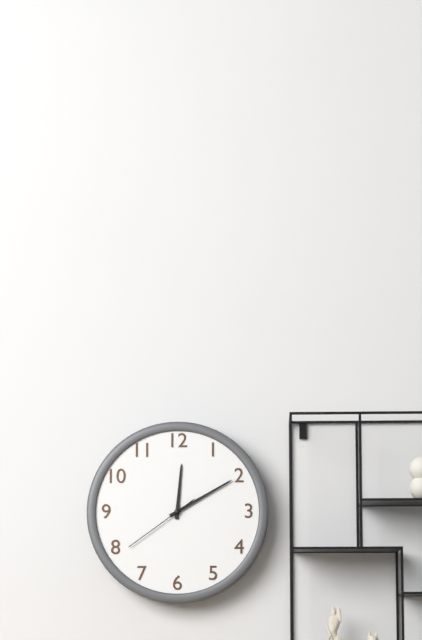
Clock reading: **12:10:39**
